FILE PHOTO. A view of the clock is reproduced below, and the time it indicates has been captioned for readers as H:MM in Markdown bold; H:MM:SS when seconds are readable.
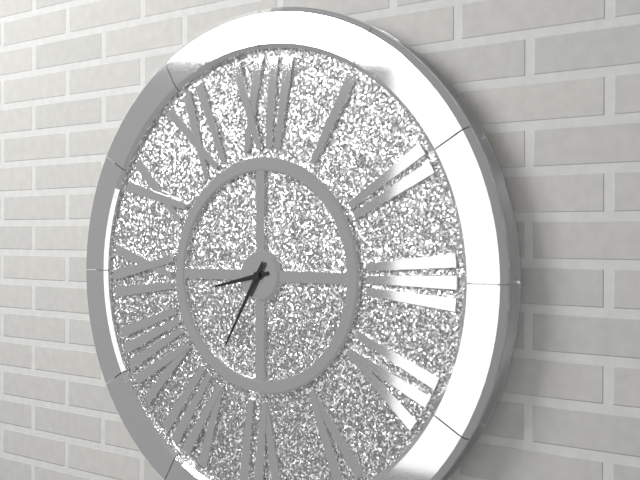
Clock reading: **8:35**
